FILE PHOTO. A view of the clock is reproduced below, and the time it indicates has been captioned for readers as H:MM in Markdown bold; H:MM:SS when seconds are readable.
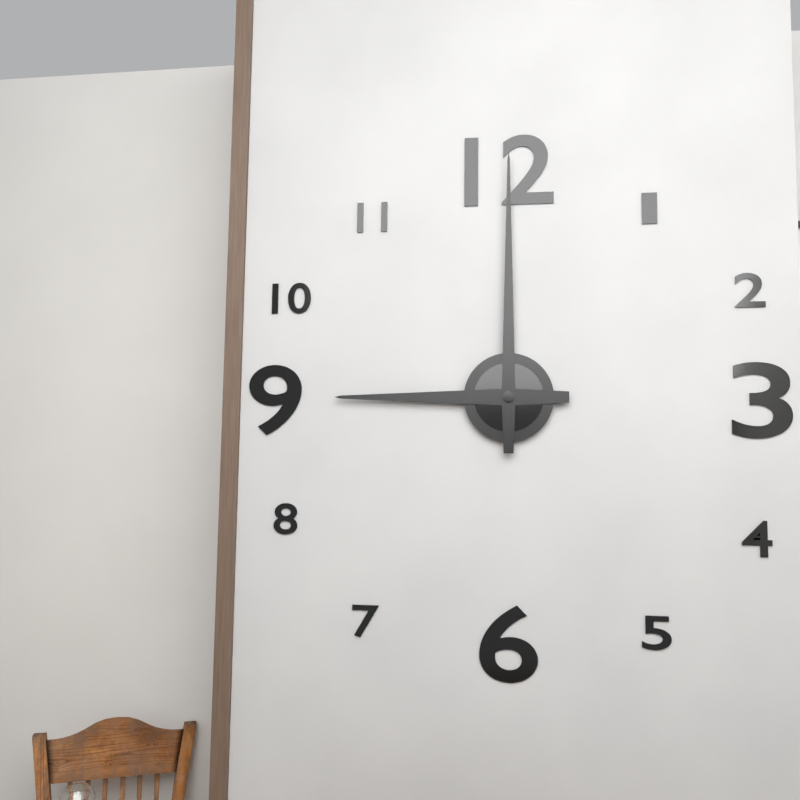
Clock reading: **9:00**
